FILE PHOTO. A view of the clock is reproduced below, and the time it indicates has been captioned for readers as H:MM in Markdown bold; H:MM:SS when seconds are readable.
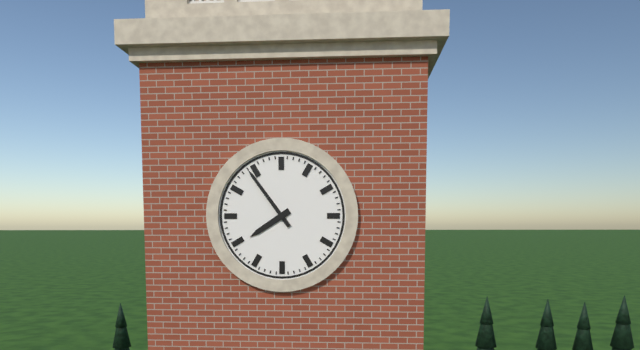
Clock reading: **7:54**
